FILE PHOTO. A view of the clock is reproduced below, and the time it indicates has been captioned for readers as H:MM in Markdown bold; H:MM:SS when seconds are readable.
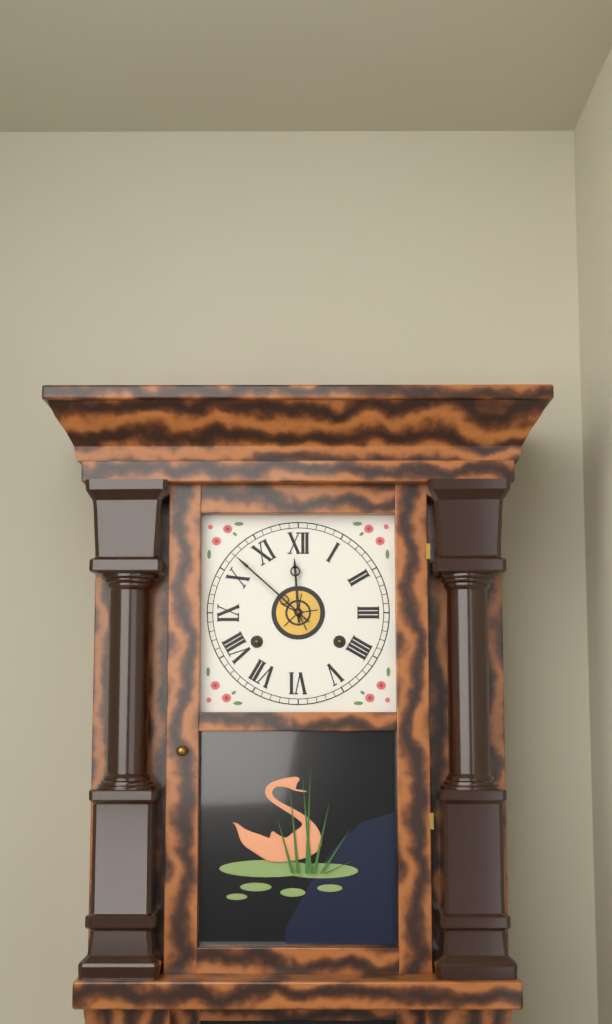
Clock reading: **11:52**
